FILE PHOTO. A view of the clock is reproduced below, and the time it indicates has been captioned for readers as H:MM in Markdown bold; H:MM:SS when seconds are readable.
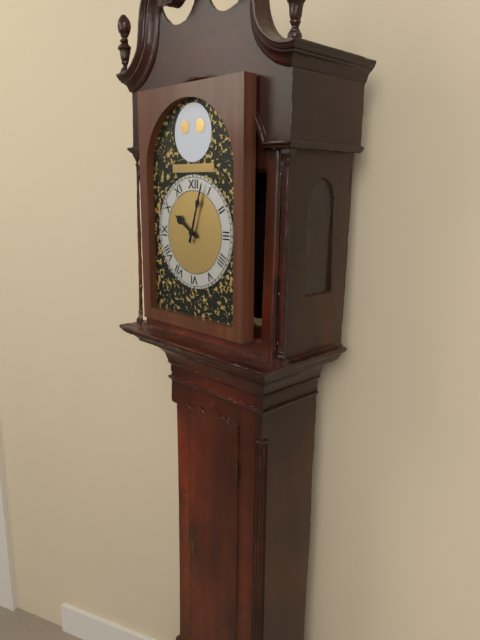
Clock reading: **10:03**
